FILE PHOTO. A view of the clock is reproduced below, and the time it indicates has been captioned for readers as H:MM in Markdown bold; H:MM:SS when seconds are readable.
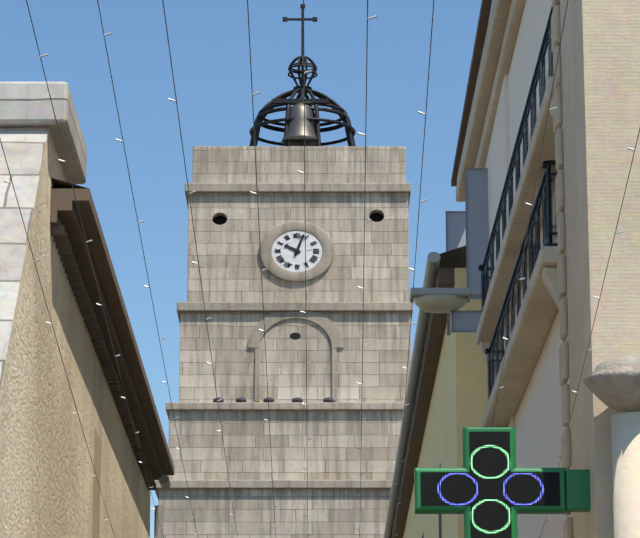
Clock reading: **10:03**
